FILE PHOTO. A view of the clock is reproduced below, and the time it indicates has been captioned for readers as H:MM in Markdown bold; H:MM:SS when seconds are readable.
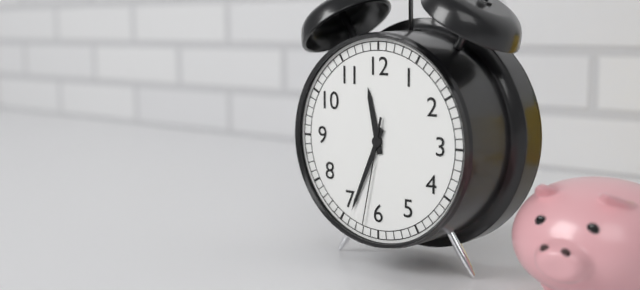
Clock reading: **11:34:32**
